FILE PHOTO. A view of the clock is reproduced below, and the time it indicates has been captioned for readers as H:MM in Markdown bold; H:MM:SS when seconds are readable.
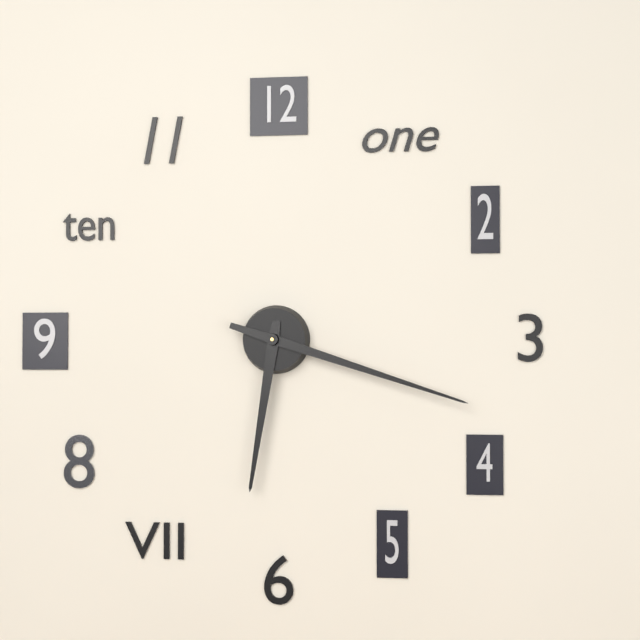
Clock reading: **6:18**
